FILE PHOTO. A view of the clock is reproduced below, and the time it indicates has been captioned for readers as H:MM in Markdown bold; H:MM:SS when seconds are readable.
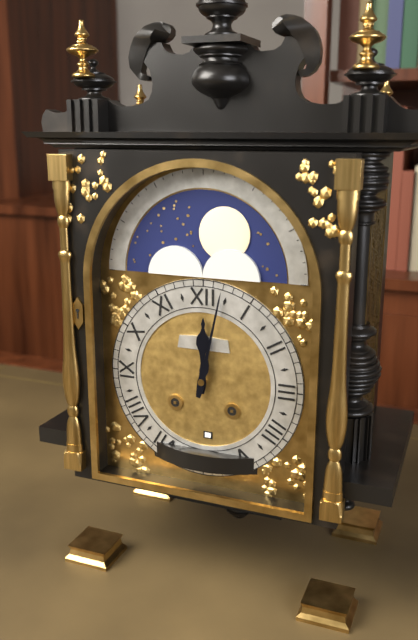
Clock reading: **12:02**
